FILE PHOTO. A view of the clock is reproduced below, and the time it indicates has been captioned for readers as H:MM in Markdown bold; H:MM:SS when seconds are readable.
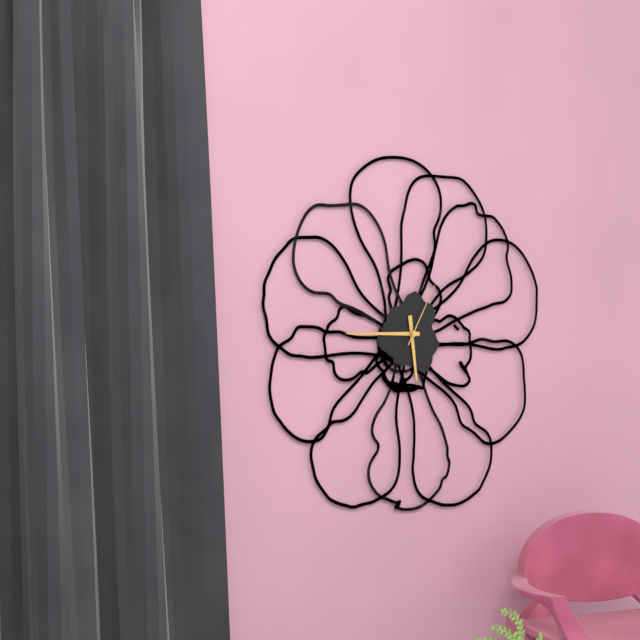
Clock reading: **5:45:05**
